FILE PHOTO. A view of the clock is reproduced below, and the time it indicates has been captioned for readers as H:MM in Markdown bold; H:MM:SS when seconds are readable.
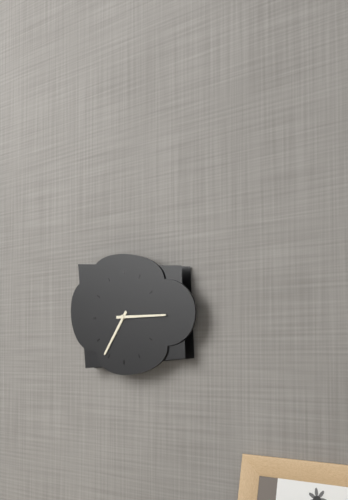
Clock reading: **7:15**
